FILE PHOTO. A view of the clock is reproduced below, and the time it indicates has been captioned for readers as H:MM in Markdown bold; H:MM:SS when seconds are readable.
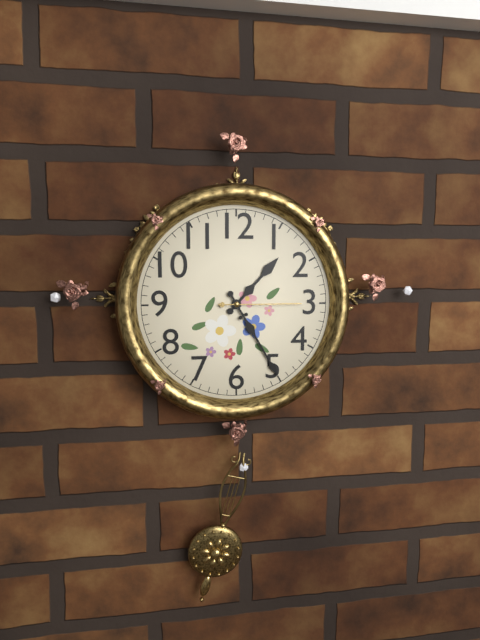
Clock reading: **1:25:15**
